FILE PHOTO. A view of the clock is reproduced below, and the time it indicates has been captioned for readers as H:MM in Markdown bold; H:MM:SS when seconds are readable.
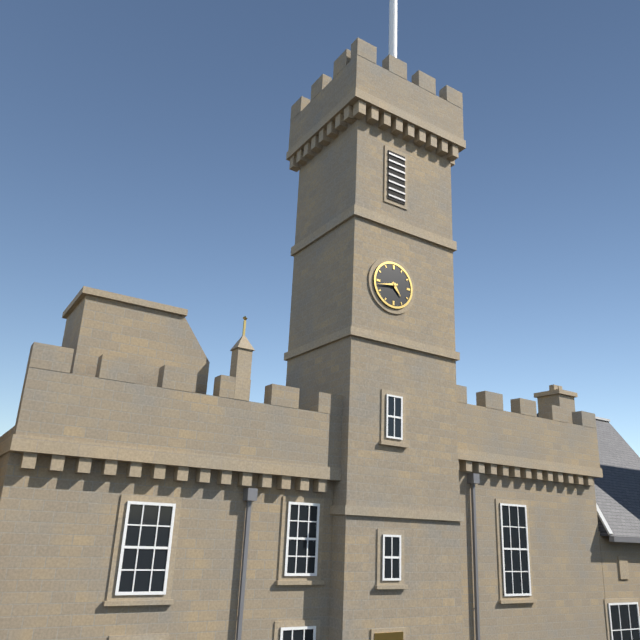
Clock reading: **4:43**
